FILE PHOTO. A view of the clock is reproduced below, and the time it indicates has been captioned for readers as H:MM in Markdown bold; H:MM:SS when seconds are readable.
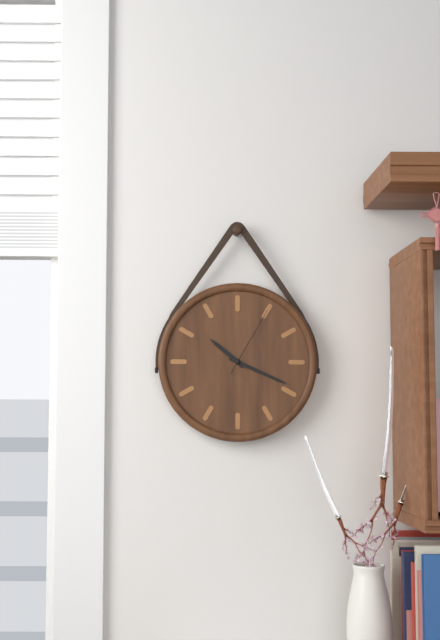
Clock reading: **10:19:05**
